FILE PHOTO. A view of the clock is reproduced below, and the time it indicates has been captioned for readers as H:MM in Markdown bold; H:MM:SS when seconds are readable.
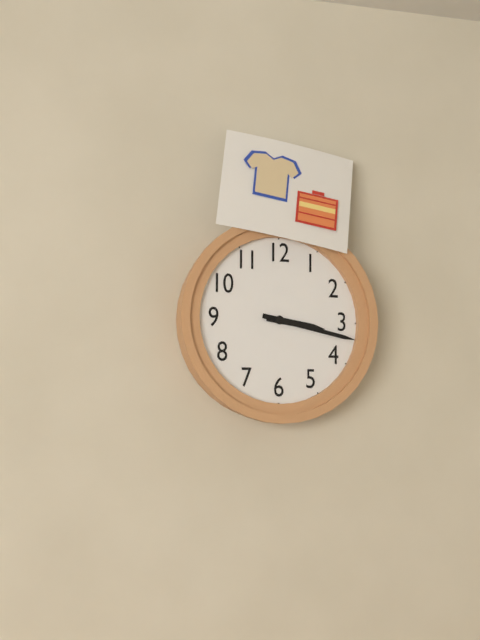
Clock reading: **3:17**
